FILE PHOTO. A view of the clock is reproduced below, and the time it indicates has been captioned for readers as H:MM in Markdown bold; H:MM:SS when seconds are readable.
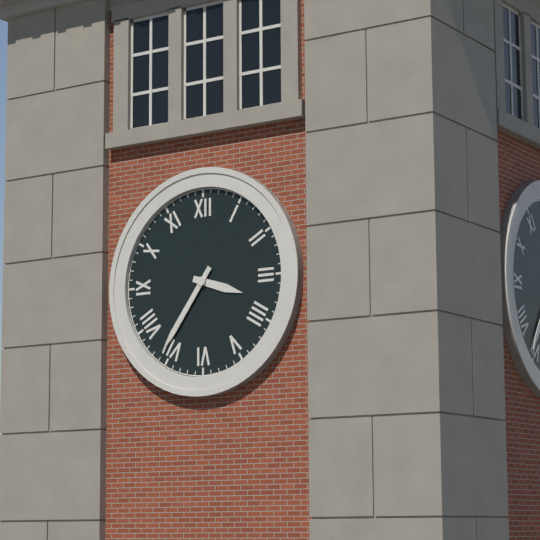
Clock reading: **3:36**
